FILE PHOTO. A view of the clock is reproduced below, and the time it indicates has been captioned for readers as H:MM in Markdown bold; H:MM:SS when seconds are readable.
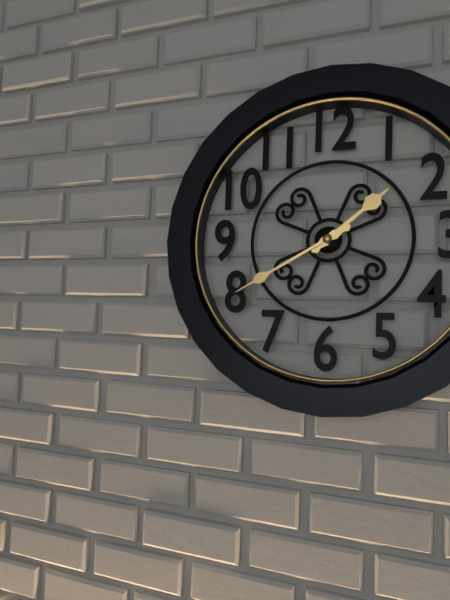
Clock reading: **1:40**
